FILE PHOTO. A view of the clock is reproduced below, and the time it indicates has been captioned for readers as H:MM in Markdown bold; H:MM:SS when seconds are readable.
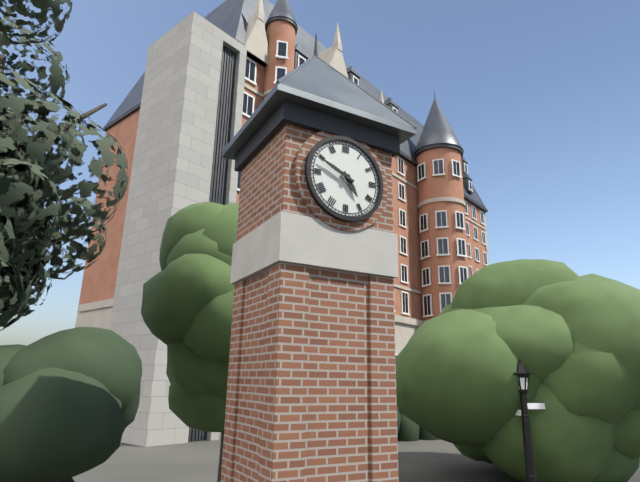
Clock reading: **4:49**
